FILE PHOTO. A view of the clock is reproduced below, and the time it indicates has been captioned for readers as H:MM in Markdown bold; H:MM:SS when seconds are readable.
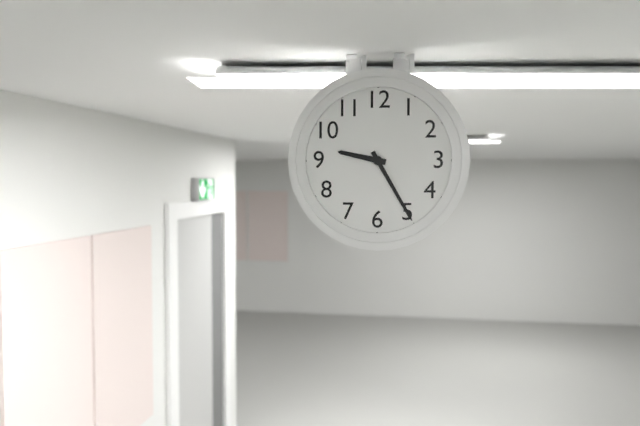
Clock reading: **9:25**
